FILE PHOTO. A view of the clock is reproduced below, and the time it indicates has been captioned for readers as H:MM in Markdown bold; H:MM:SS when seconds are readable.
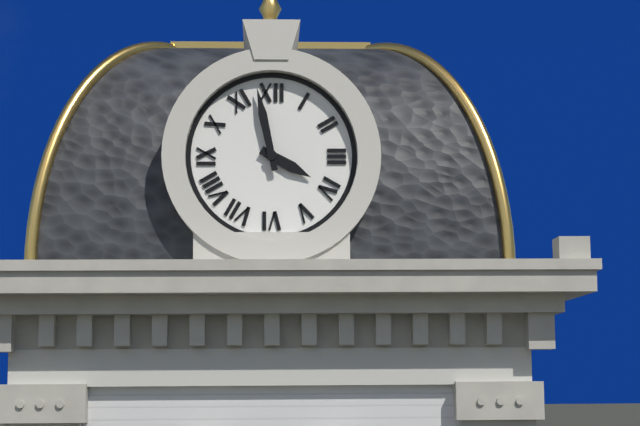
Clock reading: **3:58**
